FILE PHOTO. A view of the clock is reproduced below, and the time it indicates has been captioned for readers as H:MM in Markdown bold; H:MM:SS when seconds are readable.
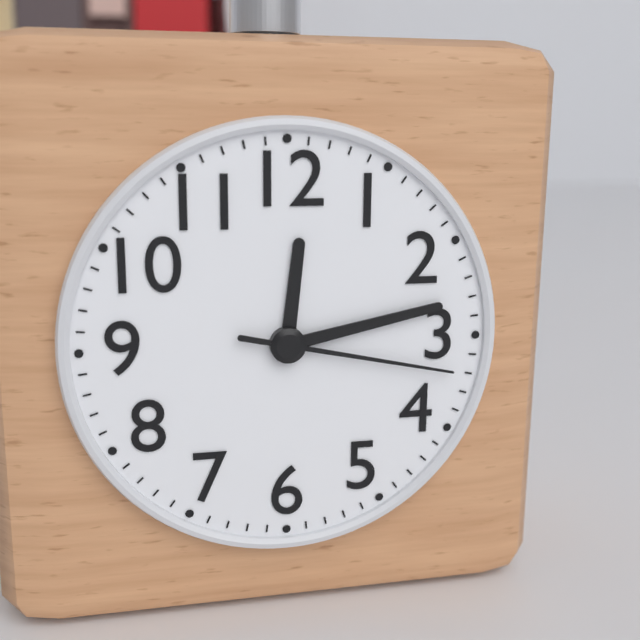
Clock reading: **12:13:17**
